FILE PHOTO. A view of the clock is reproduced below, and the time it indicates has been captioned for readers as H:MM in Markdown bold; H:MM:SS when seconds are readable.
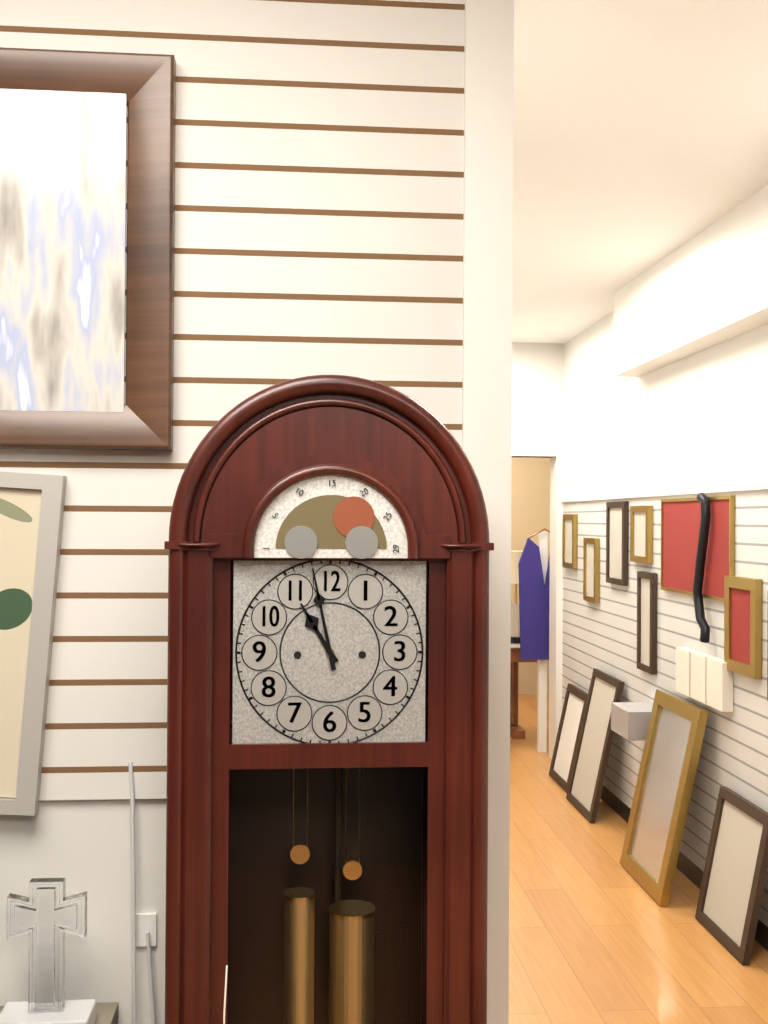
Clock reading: **10:58**
